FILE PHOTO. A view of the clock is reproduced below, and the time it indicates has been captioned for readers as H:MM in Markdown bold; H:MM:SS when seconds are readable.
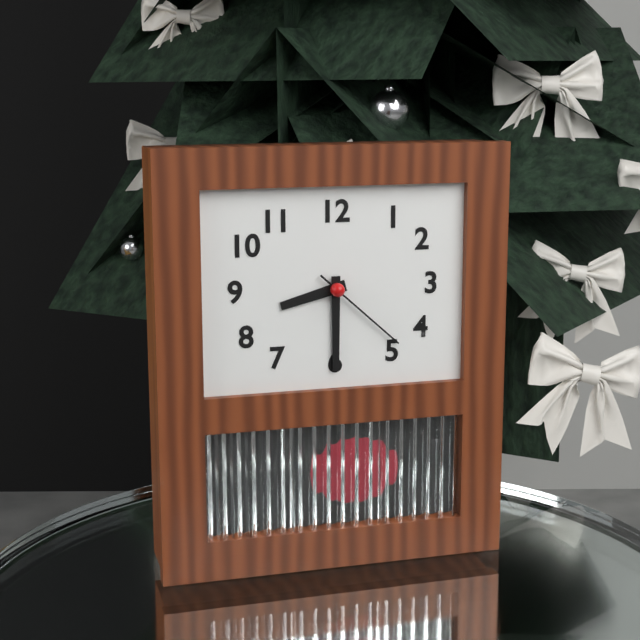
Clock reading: **8:30:22**
